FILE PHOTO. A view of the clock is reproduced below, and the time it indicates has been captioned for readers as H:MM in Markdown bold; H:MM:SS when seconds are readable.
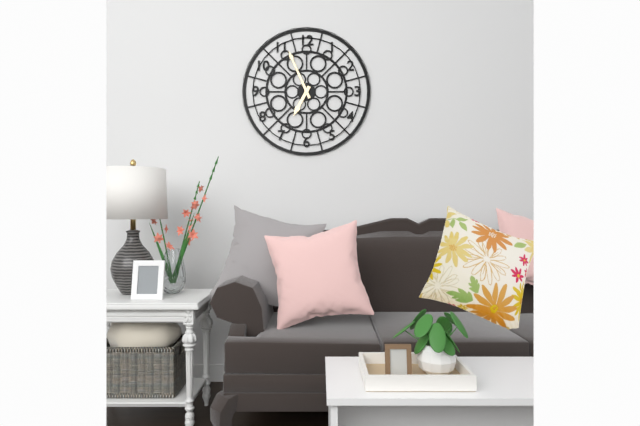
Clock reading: **6:56**
